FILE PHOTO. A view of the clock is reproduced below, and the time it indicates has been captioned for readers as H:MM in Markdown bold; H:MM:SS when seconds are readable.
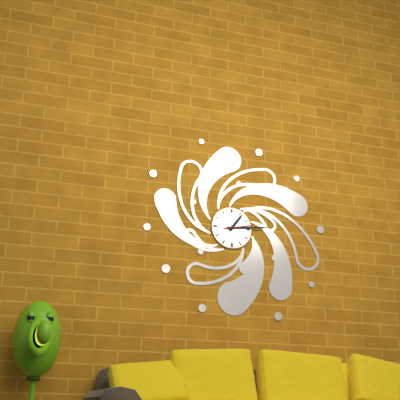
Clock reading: **1:14**
